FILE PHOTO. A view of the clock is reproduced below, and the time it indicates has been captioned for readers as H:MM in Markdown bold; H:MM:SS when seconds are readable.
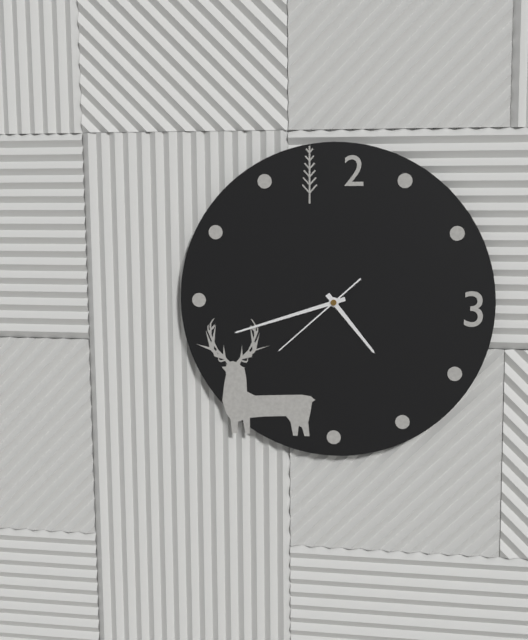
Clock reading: **4:42:38**
